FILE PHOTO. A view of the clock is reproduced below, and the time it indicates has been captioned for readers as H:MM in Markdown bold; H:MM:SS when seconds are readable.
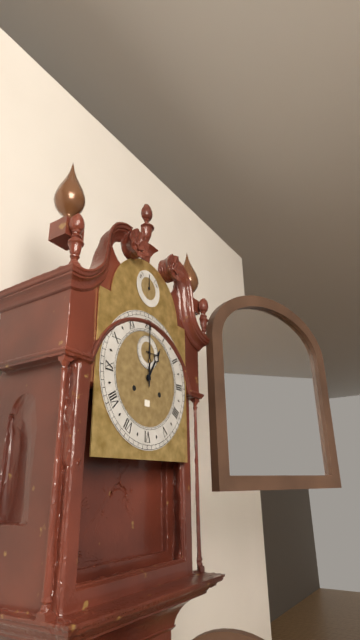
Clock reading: **1:00**
